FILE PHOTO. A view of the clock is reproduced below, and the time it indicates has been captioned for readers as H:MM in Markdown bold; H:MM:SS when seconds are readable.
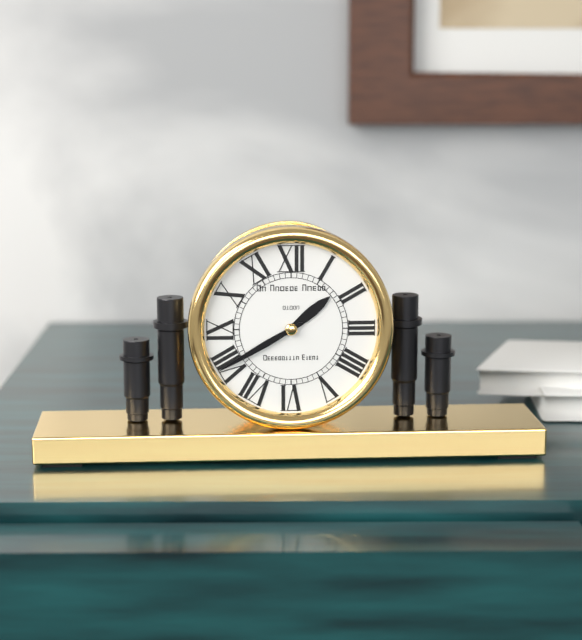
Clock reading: **1:40**
